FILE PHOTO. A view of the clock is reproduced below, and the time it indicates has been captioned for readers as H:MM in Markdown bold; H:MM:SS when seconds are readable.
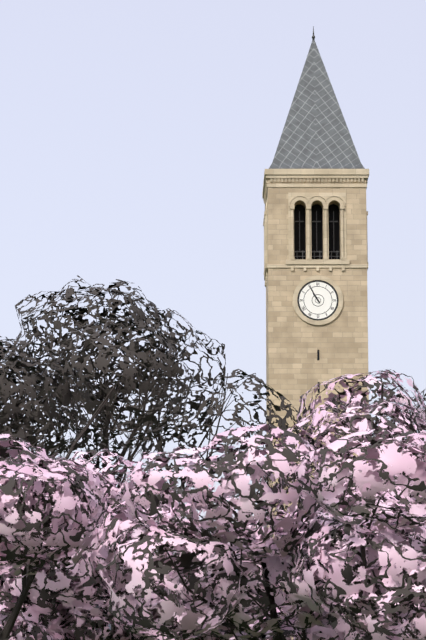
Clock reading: **10:55**
